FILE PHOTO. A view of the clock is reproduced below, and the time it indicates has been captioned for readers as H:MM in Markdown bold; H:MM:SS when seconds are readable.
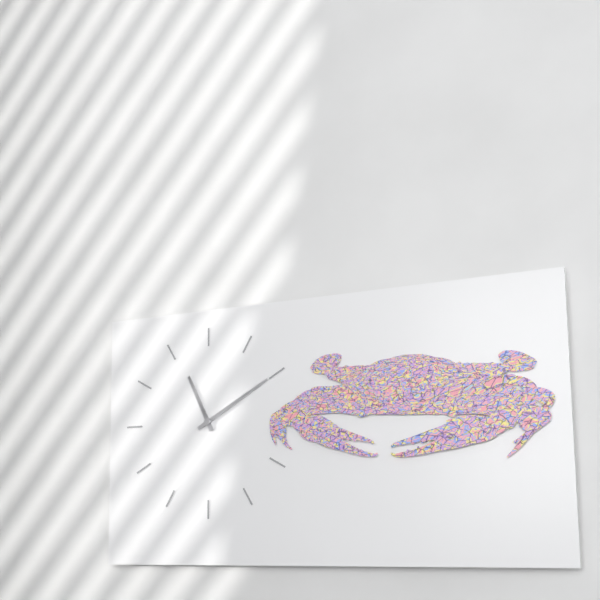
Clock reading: **11:10**
